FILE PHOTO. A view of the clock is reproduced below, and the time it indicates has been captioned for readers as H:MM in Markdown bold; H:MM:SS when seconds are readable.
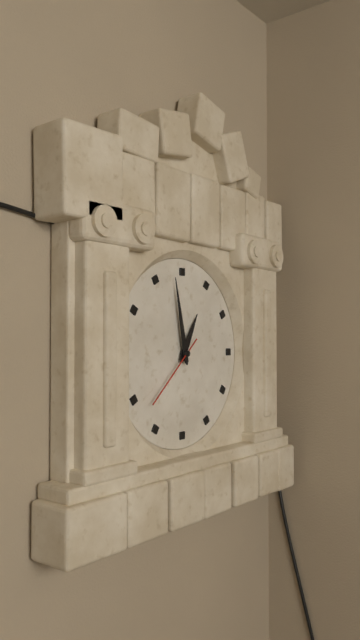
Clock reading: **12:58:38**
